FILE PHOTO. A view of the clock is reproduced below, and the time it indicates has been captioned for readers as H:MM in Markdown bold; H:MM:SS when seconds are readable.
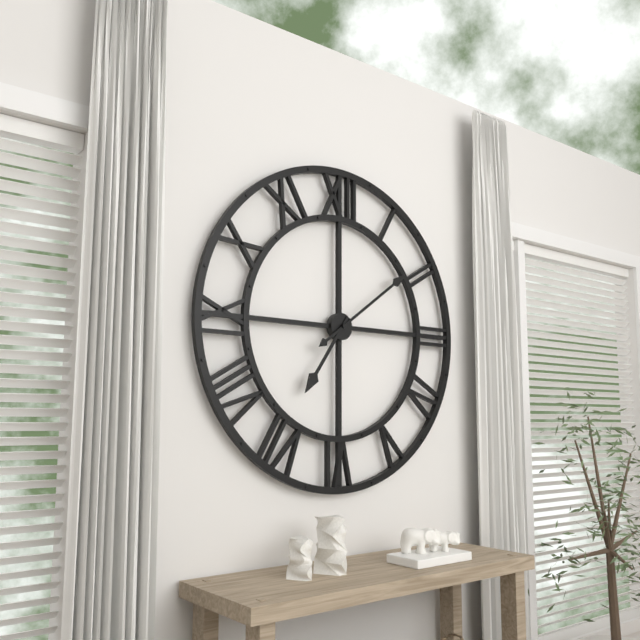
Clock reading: **7:09**
